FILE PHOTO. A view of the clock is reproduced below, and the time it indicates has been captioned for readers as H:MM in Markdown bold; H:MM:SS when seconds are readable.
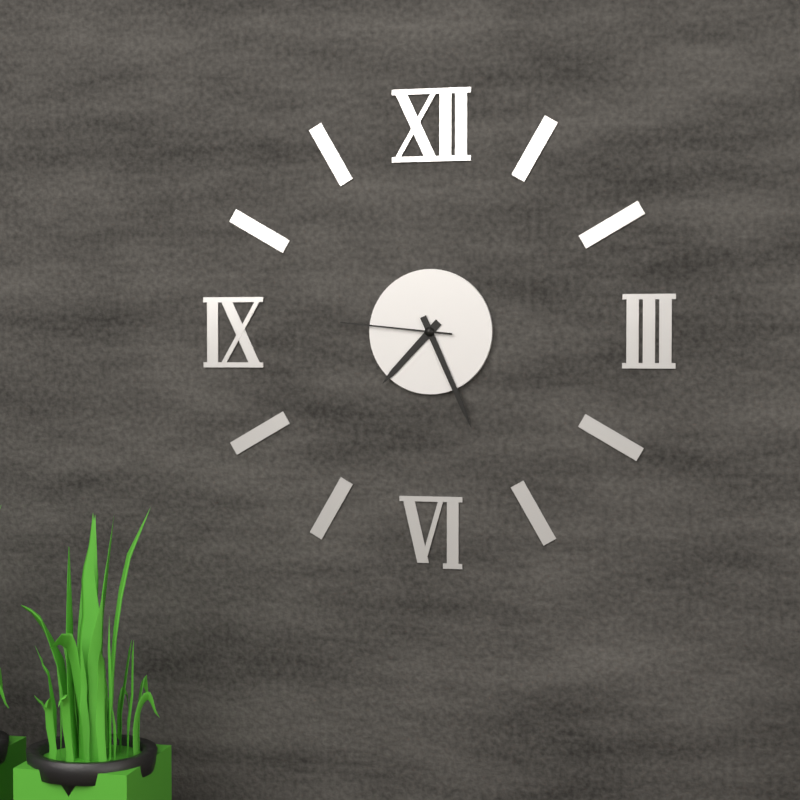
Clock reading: **7:26:46**
